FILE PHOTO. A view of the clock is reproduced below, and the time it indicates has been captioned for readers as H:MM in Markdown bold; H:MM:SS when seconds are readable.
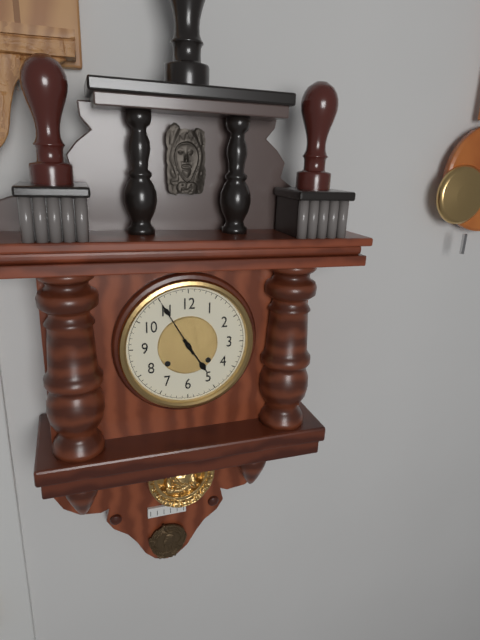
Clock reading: **4:55**
